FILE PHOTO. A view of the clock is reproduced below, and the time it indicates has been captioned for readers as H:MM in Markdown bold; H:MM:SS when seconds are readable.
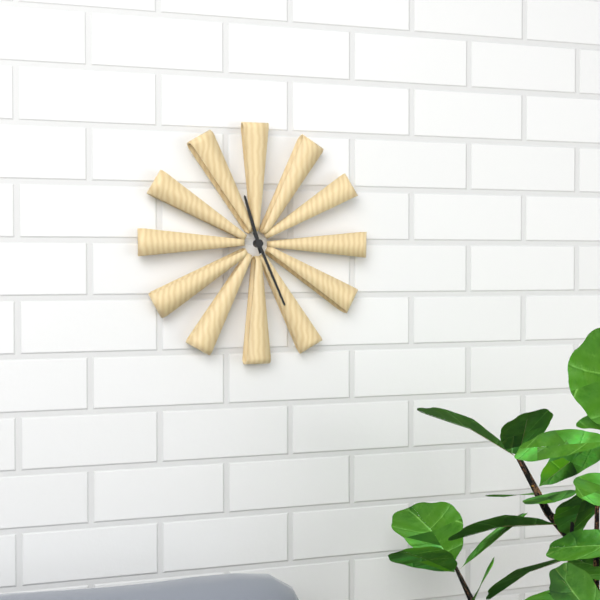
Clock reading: **11:26**
